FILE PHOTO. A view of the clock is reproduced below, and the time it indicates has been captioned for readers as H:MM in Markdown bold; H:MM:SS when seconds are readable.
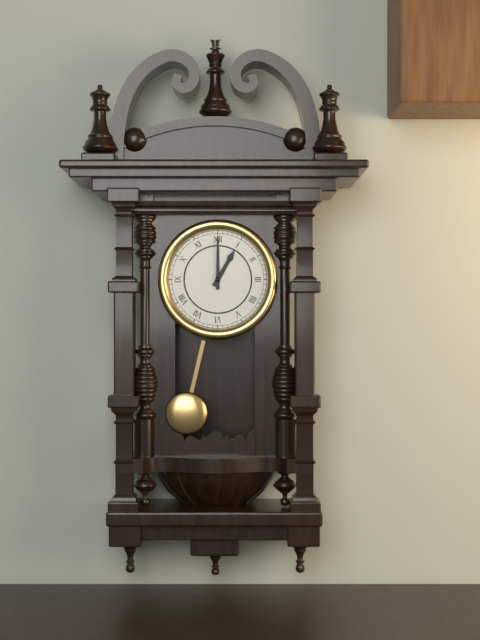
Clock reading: **1:00**
